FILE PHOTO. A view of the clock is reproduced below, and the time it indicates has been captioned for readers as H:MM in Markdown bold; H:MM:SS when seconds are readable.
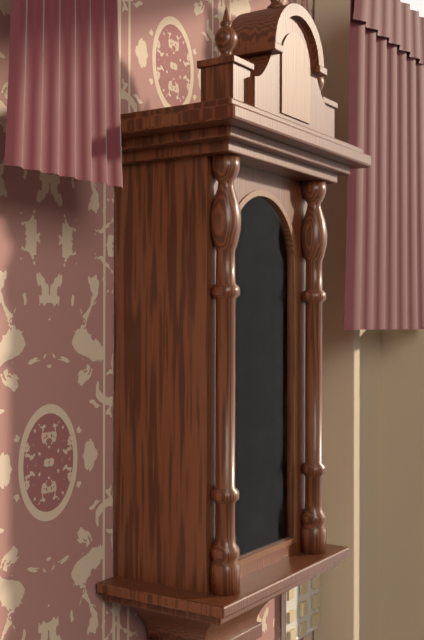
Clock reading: **5:04**
